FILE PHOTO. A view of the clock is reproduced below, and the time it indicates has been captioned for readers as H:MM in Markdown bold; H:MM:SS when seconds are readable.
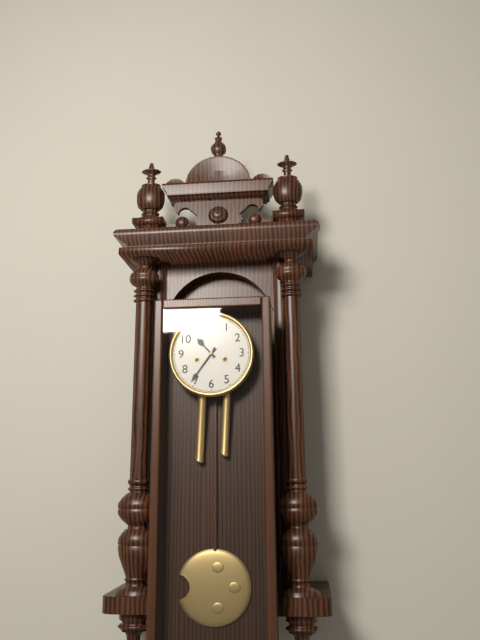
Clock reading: **10:36**
